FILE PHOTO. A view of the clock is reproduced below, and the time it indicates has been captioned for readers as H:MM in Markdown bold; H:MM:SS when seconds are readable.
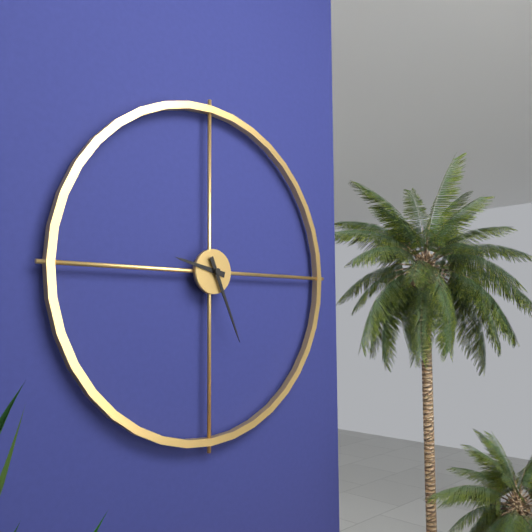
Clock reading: **9:26**
